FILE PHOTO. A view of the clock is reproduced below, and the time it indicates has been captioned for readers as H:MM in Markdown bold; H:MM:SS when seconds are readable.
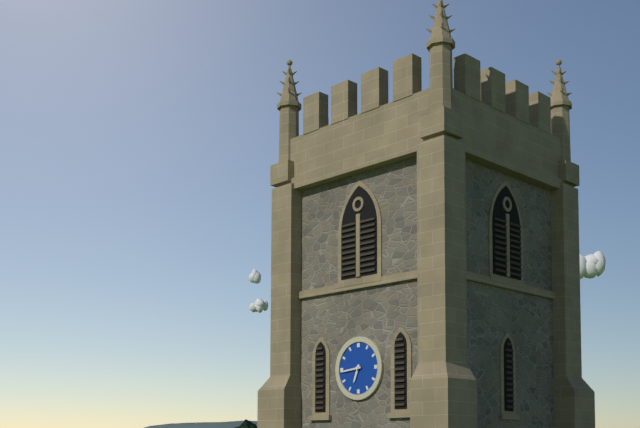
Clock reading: **6:44**
